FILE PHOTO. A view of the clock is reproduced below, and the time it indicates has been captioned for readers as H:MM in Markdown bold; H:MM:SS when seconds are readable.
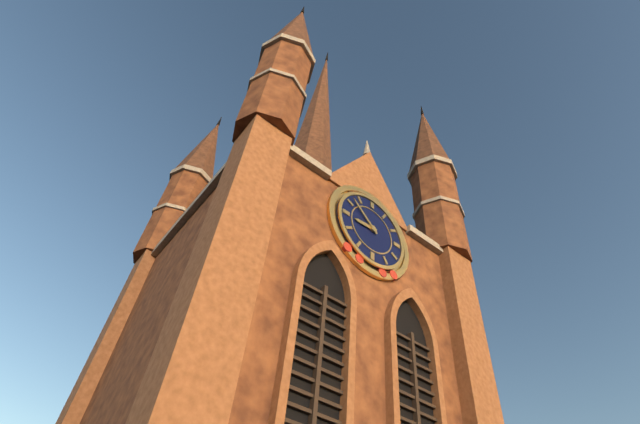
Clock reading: **8:52**
